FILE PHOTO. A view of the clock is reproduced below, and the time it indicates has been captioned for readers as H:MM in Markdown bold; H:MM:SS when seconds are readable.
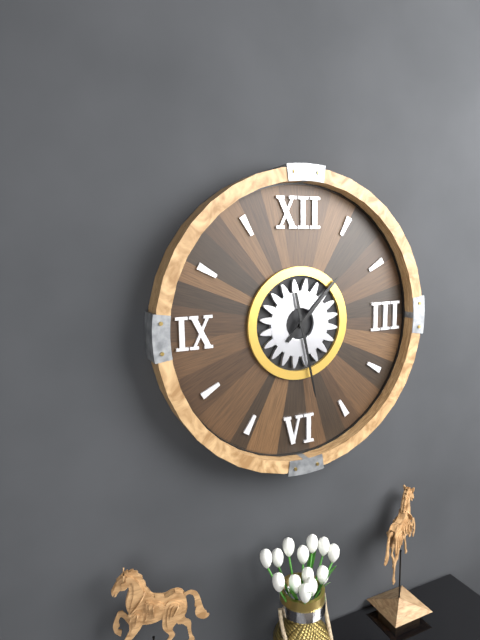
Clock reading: **1:28**
